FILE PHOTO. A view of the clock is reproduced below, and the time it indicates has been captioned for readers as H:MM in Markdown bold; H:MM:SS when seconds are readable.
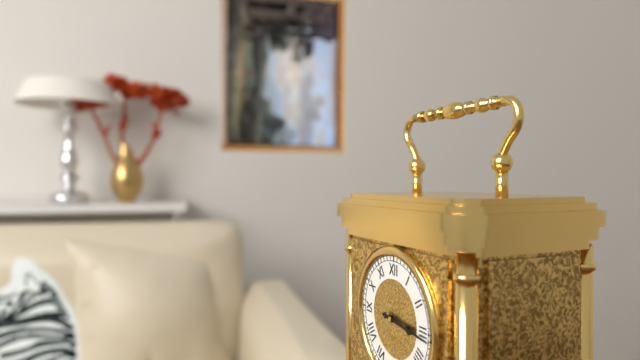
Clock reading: **3:16**
